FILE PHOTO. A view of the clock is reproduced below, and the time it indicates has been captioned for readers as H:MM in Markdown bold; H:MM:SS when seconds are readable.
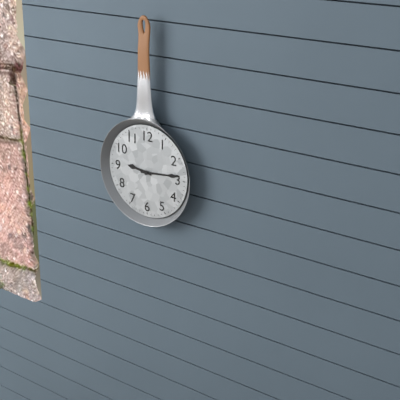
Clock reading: **9:14**
